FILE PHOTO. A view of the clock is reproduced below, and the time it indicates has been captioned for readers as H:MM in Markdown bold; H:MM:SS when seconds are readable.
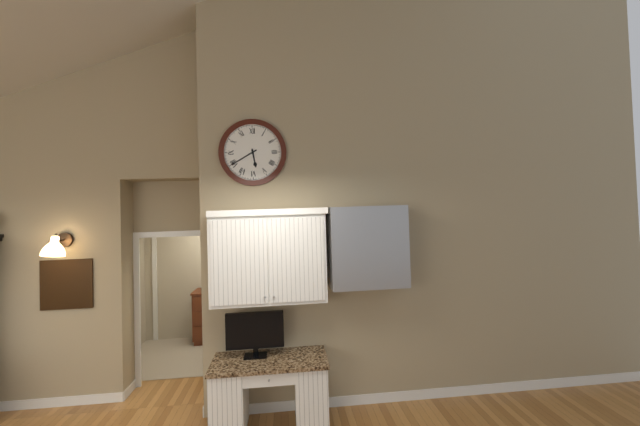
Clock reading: **5:40**
